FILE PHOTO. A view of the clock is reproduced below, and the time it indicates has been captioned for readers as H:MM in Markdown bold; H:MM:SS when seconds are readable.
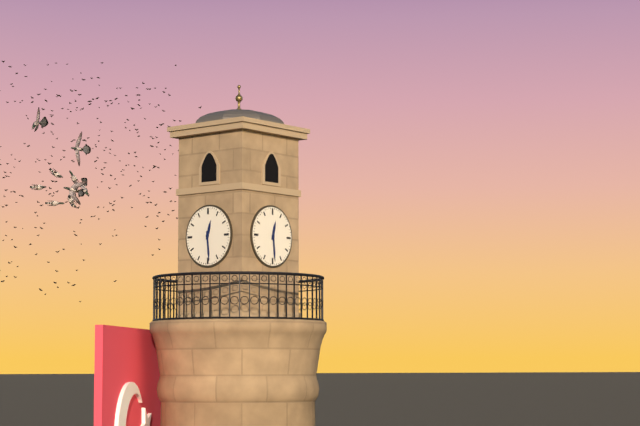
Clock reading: **12:29**
